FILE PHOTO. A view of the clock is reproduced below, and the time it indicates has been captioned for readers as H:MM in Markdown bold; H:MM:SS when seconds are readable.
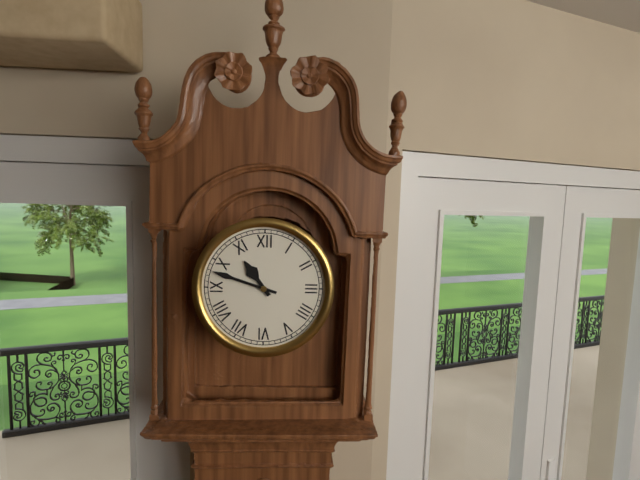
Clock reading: **10:48**
